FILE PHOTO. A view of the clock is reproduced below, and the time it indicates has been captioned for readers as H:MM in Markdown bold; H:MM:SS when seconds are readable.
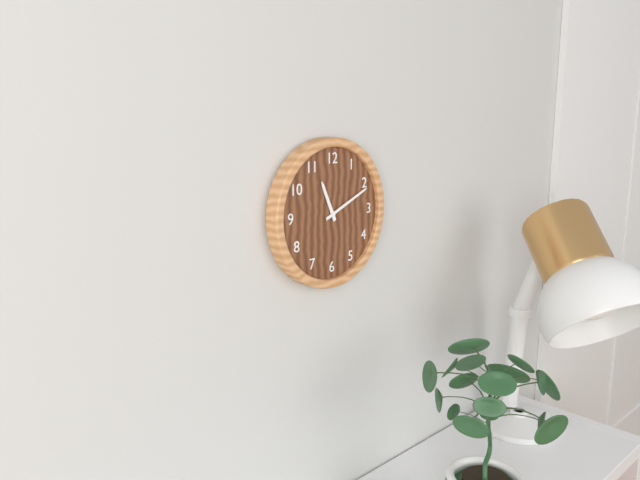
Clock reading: **11:11**
